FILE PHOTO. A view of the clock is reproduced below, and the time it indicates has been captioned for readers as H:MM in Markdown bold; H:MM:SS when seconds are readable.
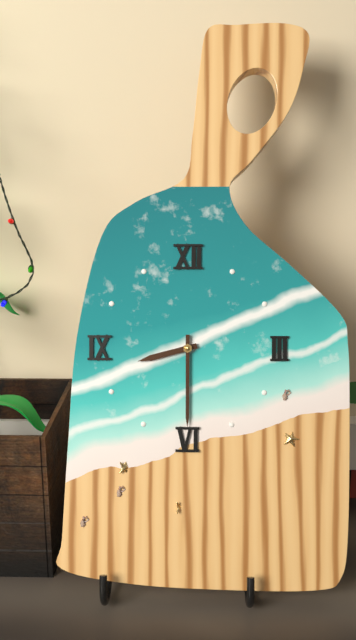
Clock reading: **8:30**
